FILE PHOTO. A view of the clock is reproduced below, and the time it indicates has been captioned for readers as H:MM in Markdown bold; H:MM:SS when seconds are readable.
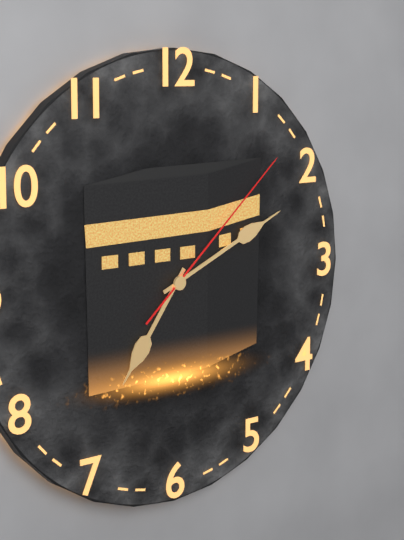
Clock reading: **7:11:08**
